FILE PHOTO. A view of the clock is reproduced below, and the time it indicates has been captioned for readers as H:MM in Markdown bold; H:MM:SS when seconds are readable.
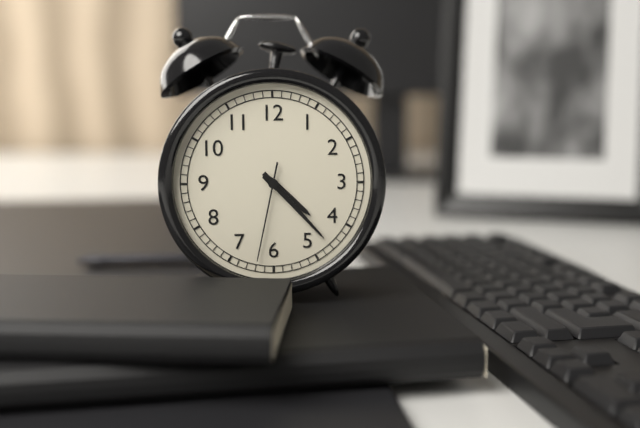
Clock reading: **4:23:32**
